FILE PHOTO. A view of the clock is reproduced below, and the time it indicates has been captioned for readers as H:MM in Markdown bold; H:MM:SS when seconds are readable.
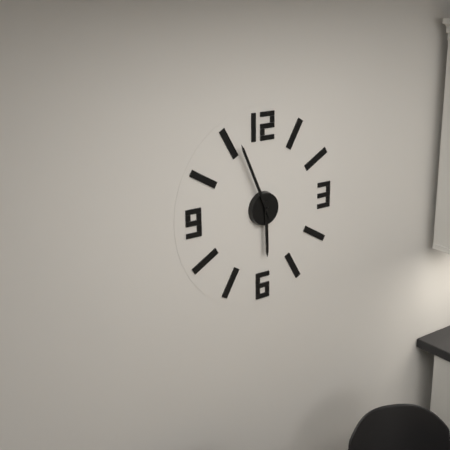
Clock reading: **5:56**
